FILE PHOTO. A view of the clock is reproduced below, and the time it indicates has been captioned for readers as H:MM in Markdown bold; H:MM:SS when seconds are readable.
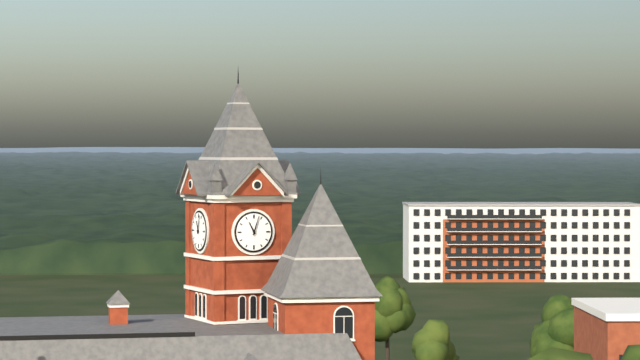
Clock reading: **11:03**
